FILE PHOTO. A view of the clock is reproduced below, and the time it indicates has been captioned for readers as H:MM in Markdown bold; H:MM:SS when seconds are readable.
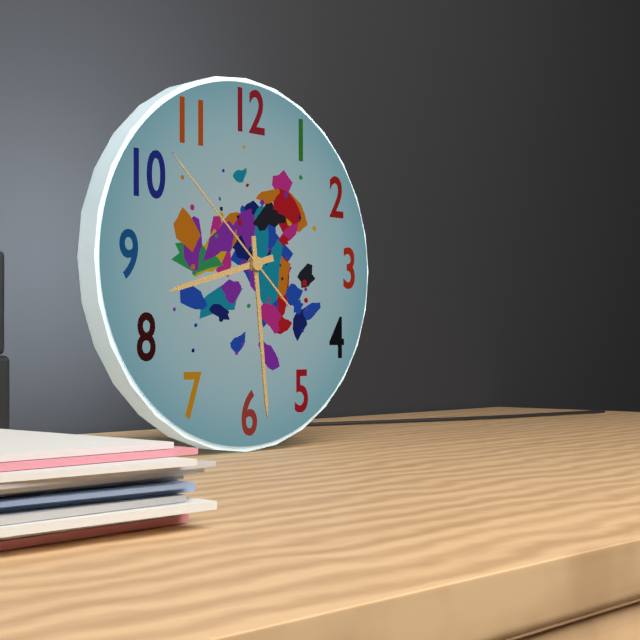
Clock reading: **8:29:52**
